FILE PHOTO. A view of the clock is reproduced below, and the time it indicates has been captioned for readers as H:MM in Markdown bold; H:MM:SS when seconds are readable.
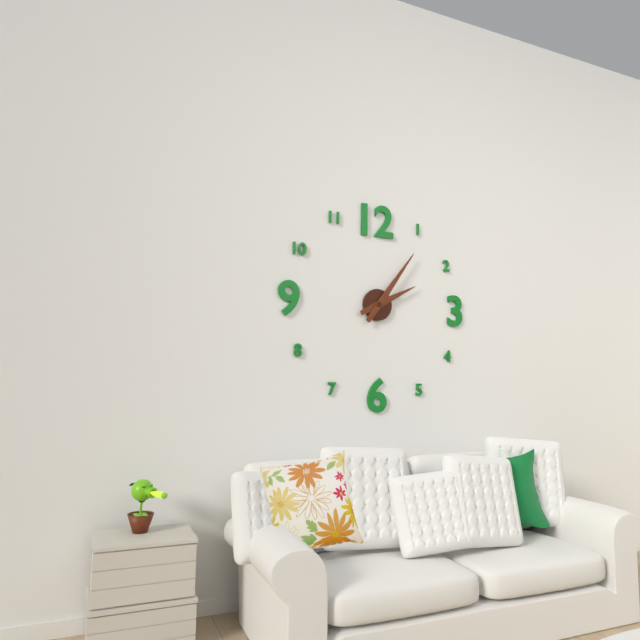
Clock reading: **2:06**
